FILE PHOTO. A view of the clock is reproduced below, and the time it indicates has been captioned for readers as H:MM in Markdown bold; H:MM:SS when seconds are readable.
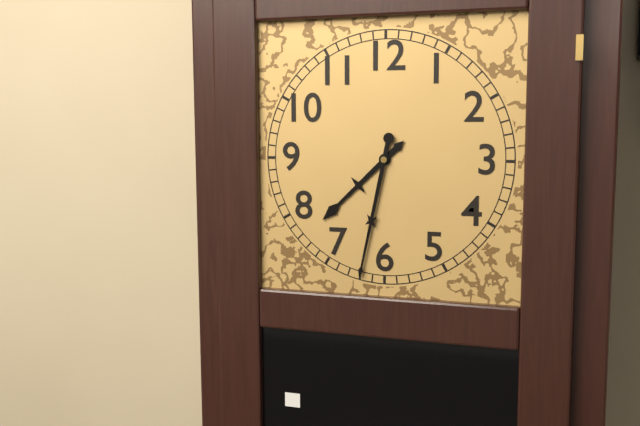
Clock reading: **7:32**
